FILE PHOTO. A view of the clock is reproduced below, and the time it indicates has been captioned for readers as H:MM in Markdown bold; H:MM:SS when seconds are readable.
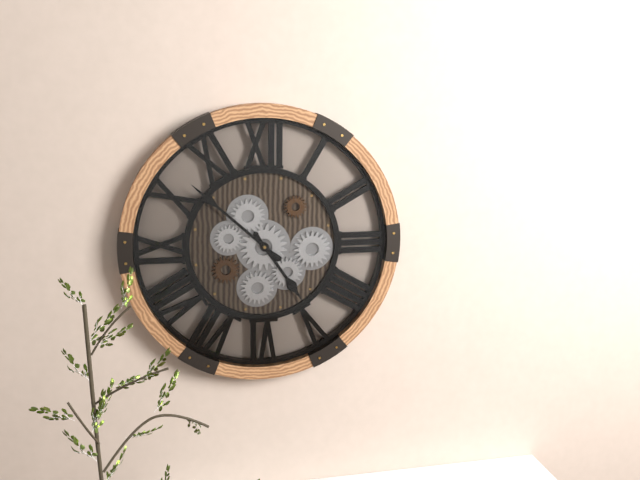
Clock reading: **4:52**
